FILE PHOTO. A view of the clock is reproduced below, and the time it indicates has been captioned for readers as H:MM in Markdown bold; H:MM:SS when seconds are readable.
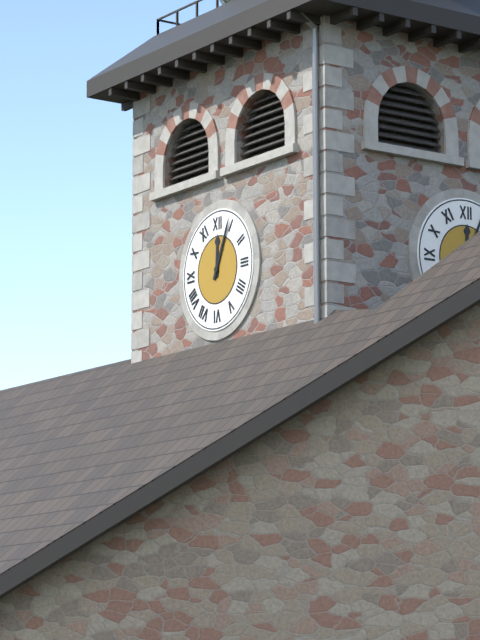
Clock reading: **12:04**
